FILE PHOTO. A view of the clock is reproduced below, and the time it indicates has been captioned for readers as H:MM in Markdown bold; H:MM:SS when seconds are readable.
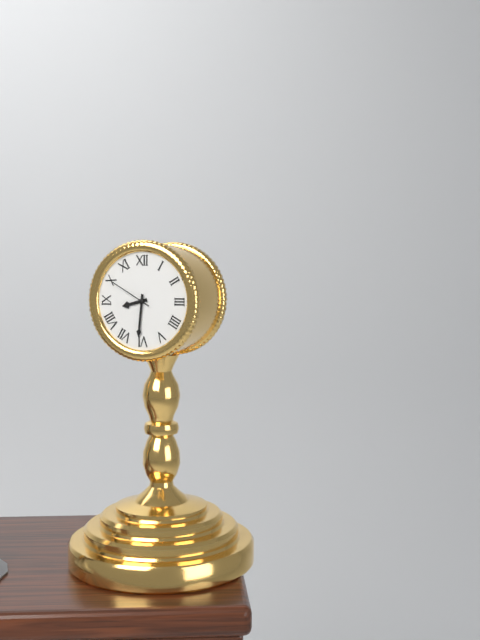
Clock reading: **8:31:50**
